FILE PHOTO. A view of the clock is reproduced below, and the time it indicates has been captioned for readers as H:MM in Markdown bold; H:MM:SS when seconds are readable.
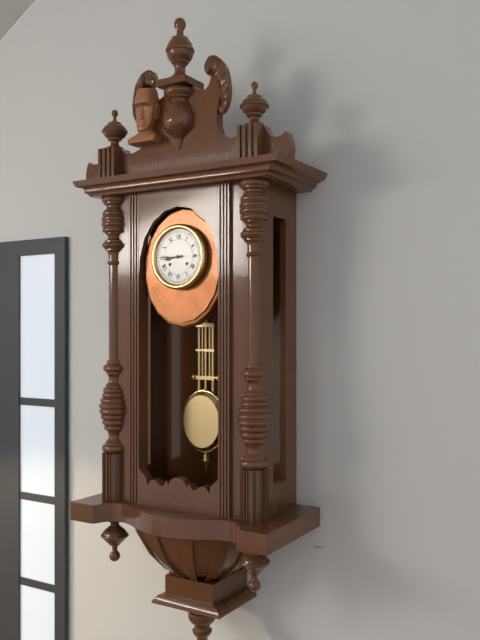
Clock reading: **8:45**
